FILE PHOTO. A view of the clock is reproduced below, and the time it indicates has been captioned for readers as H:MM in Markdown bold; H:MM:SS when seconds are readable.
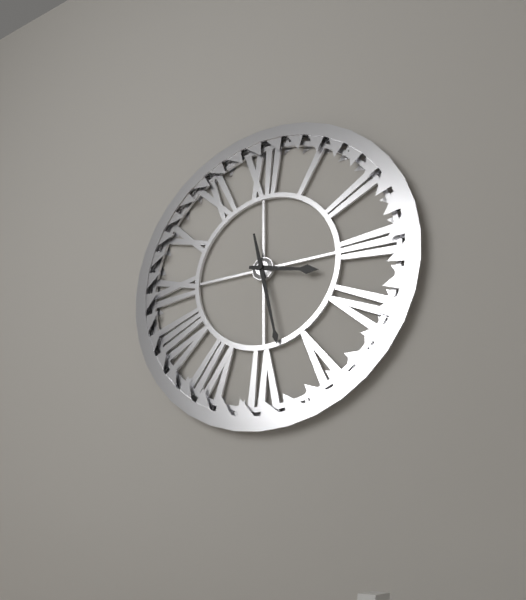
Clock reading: **3:28**
